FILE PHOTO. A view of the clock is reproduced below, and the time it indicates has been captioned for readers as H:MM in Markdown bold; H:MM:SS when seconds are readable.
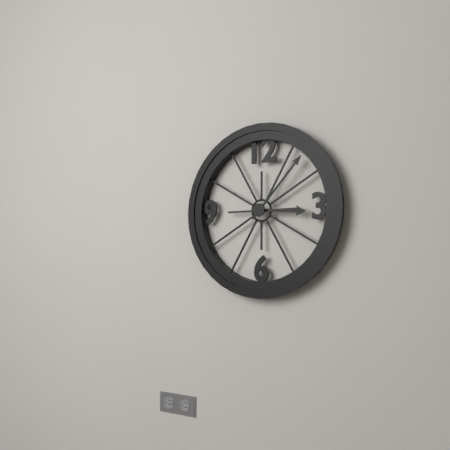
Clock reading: **3:07**
